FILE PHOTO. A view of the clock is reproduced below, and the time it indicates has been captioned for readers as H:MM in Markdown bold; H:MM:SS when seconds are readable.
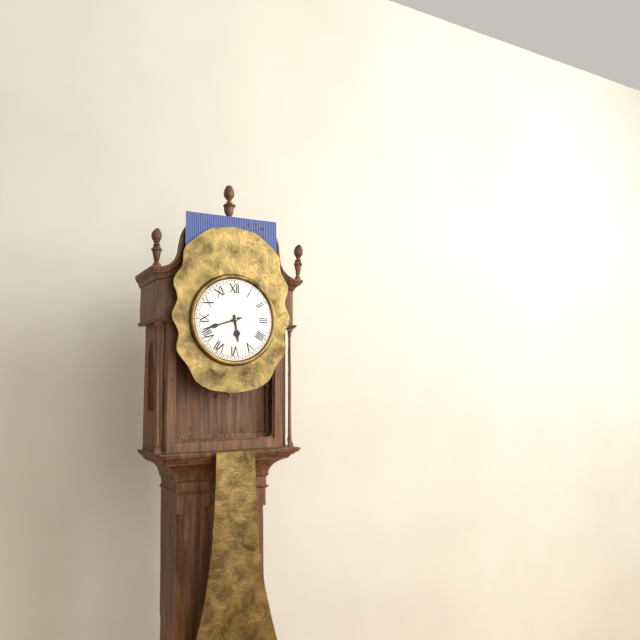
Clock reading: **5:42**
